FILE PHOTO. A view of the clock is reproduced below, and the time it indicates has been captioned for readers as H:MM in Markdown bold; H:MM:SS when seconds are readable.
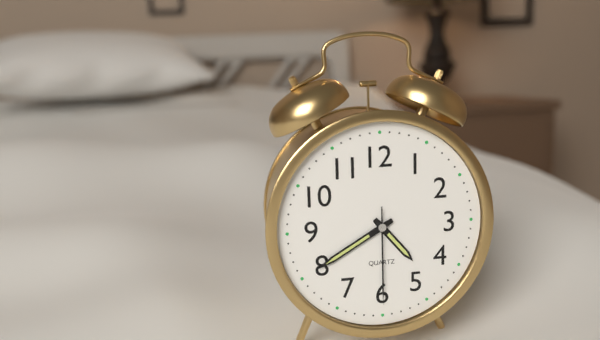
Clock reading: **4:40:30**
